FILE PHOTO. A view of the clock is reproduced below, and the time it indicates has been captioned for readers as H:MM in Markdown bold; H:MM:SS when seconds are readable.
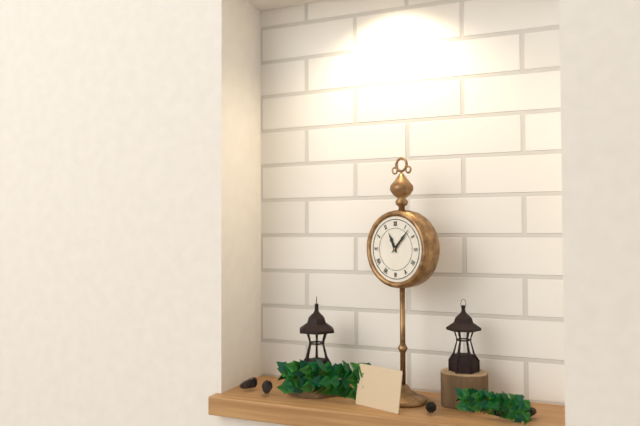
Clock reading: **11:07**
